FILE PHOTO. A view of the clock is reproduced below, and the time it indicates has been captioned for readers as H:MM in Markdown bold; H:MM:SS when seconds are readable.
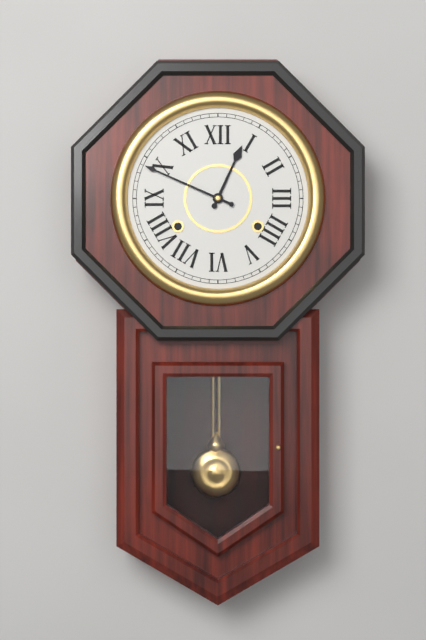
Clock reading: **12:49**
